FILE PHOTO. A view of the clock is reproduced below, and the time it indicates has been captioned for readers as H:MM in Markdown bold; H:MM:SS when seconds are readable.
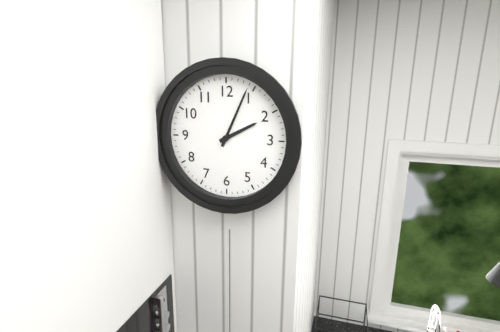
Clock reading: **2:04**
